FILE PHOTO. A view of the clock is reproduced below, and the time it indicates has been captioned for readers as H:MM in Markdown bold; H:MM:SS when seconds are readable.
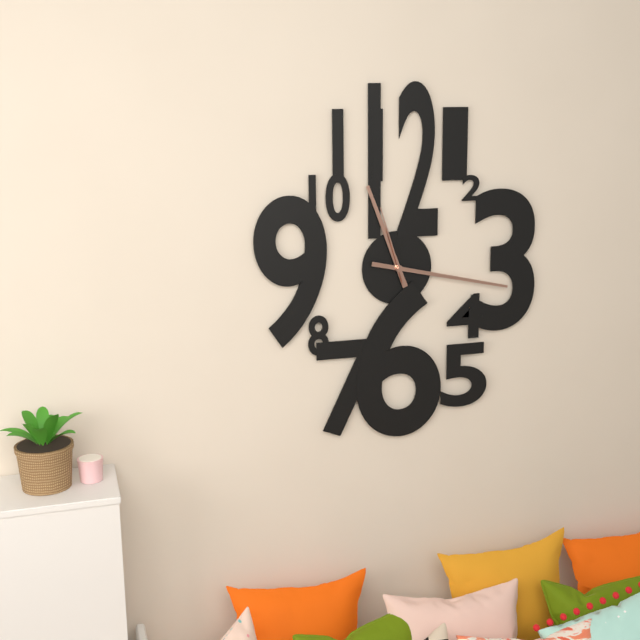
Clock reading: **11:17:57**
